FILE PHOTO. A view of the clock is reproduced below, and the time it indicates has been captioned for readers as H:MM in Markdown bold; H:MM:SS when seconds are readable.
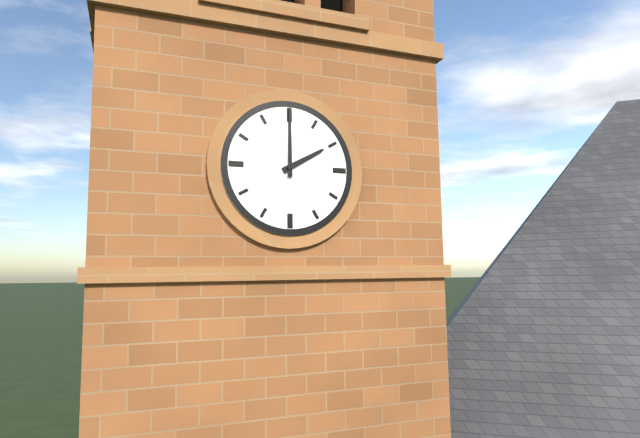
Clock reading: **2:00**
